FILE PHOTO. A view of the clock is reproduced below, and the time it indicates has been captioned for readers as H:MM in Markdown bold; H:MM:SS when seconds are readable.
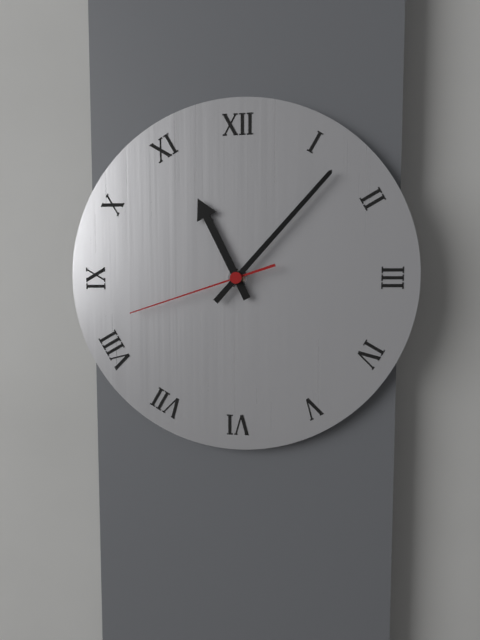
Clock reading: **11:07:42**
